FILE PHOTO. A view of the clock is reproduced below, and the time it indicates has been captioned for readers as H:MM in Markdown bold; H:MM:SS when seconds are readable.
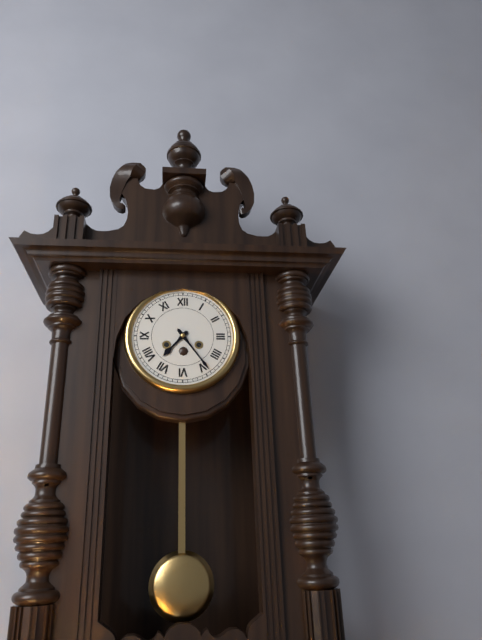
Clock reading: **7:24**
